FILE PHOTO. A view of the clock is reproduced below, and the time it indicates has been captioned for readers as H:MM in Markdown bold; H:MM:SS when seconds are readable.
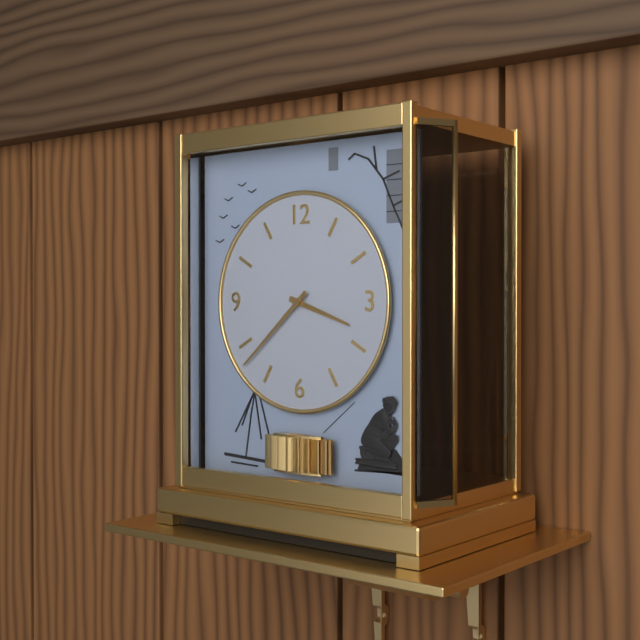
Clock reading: **3:38**
